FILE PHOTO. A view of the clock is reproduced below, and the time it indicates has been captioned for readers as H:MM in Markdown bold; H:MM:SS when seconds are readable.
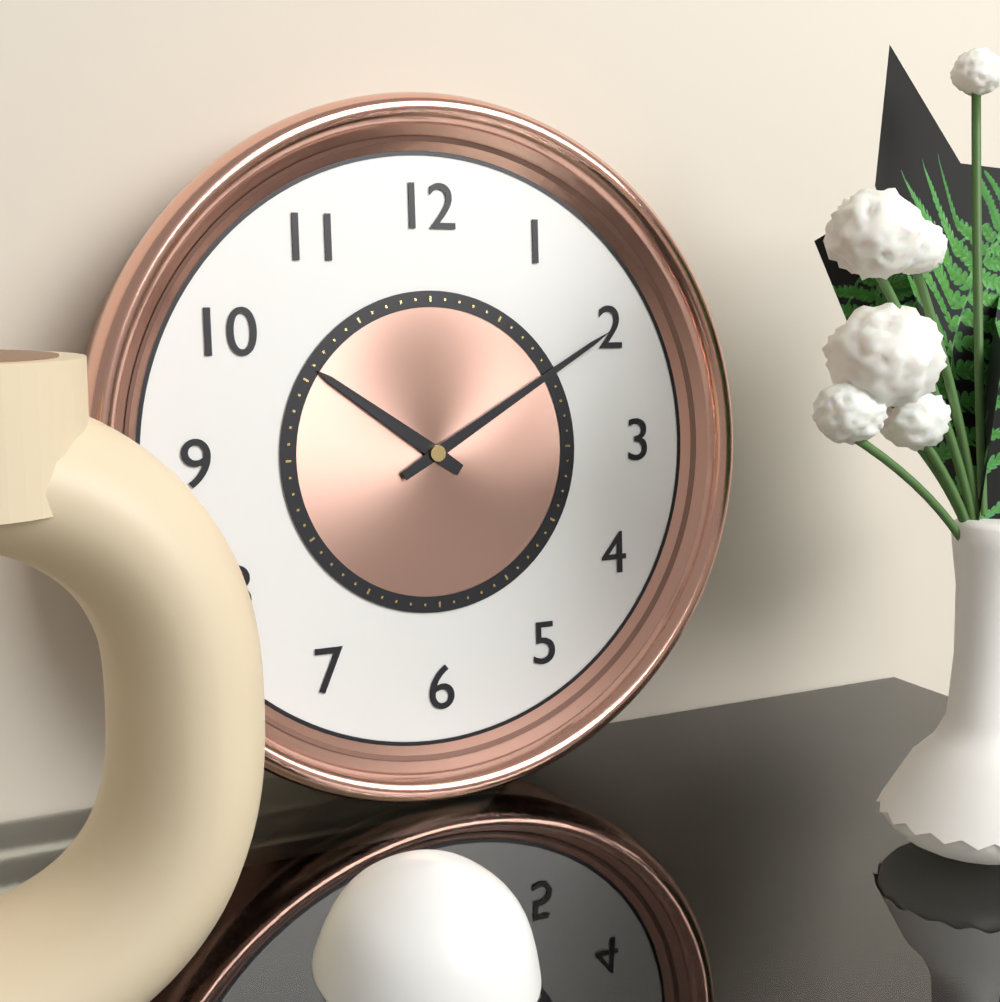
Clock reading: **10:10**
